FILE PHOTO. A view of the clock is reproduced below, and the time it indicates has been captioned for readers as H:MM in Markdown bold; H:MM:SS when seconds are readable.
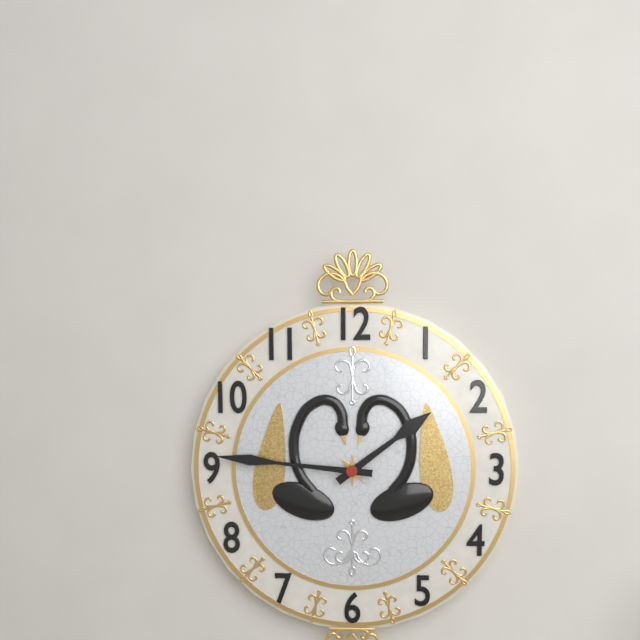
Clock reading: **1:46**
